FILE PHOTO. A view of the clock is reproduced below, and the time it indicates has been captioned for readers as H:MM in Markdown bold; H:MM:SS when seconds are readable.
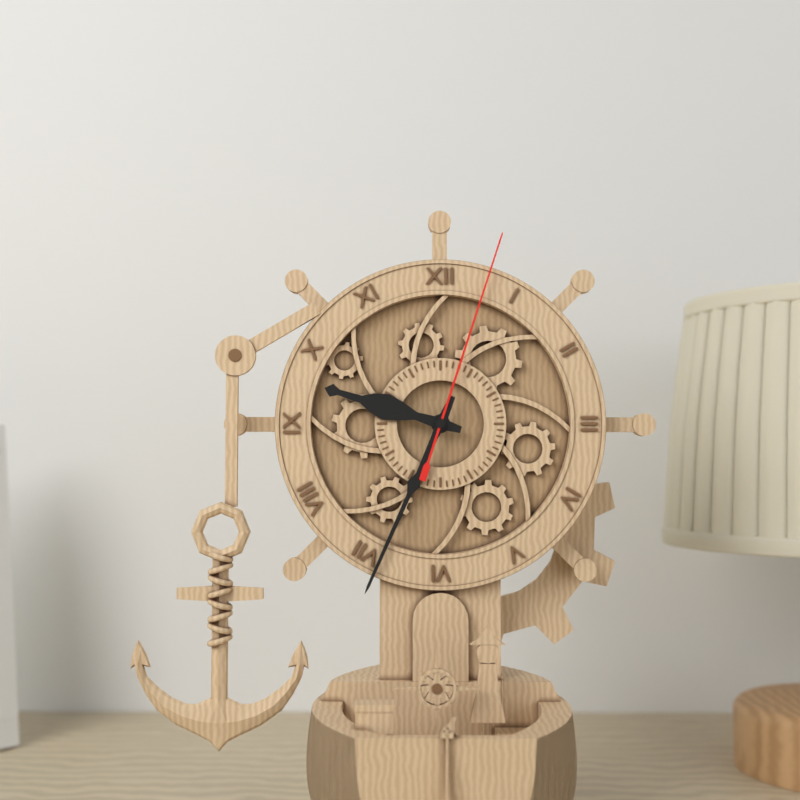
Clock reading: **9:34:03**
